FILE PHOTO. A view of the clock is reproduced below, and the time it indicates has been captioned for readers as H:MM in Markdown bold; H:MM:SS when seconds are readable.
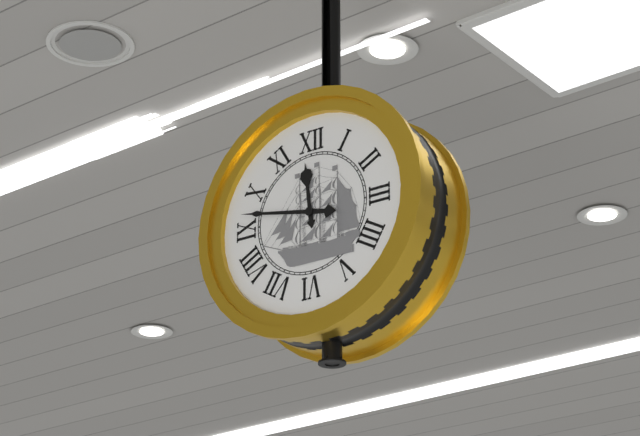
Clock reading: **11:47**
